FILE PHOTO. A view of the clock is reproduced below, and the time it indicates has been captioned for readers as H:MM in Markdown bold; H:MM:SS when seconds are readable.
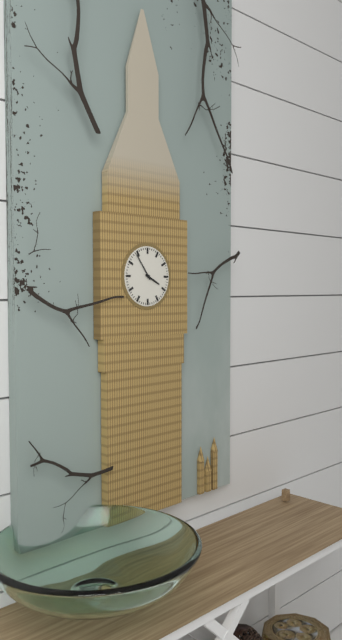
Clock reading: **3:54**
